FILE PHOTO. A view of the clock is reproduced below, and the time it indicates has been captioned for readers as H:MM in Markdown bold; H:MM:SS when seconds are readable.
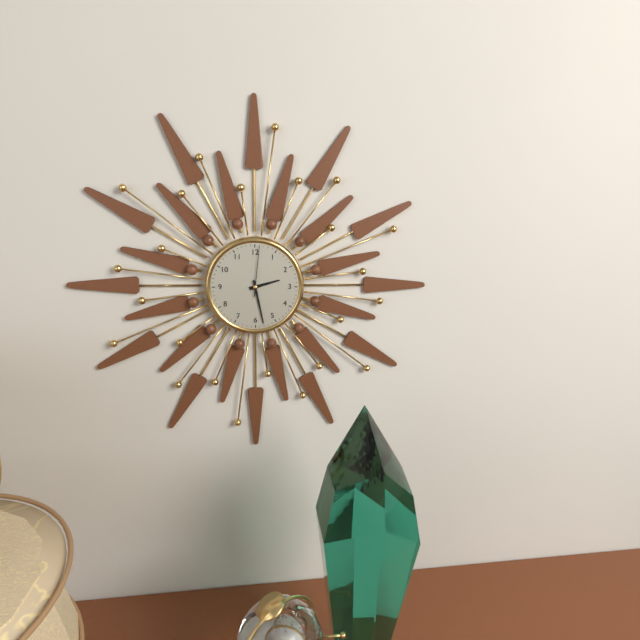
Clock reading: **2:28:01**
